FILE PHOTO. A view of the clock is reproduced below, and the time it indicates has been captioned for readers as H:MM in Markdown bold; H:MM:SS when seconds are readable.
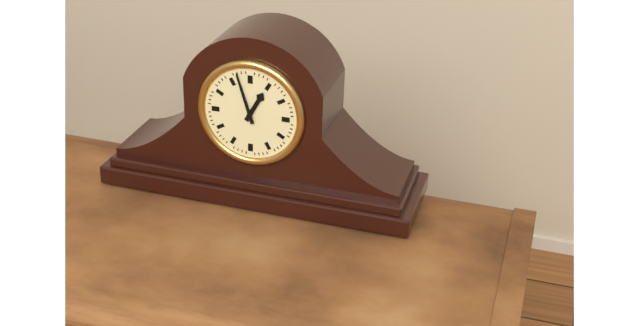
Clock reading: **12:57**
